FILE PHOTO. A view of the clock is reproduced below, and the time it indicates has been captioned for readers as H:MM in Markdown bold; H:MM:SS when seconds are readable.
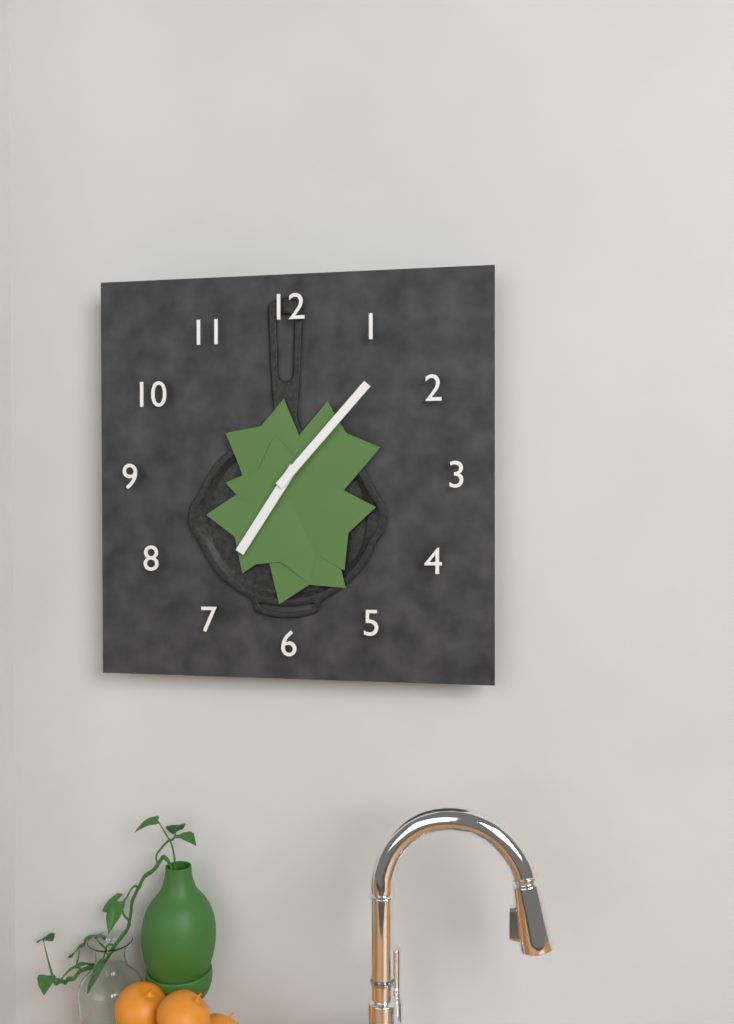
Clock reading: **7:07**
